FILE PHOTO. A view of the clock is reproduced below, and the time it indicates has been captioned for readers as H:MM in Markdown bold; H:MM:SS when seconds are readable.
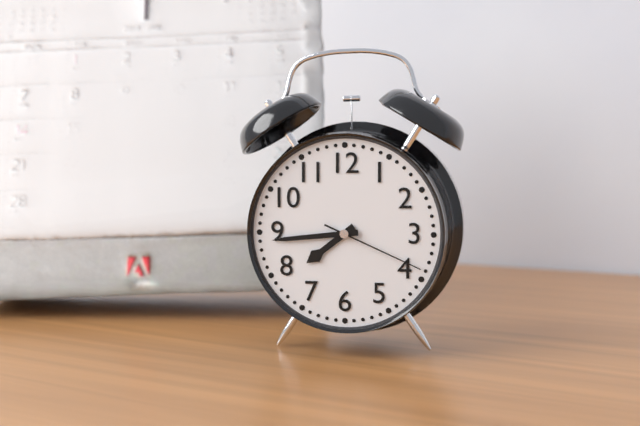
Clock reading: **7:44:19**
